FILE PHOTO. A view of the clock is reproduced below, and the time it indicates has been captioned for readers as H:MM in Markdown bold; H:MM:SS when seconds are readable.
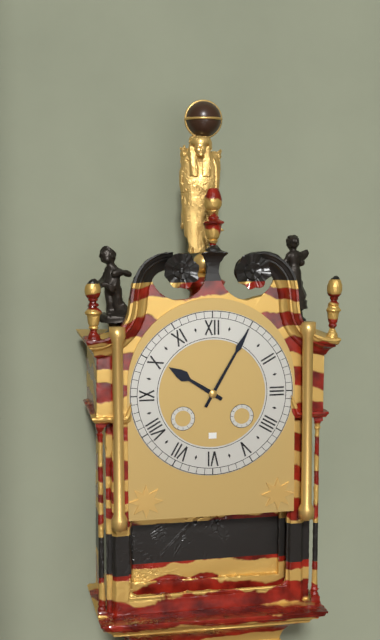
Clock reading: **10:05**
